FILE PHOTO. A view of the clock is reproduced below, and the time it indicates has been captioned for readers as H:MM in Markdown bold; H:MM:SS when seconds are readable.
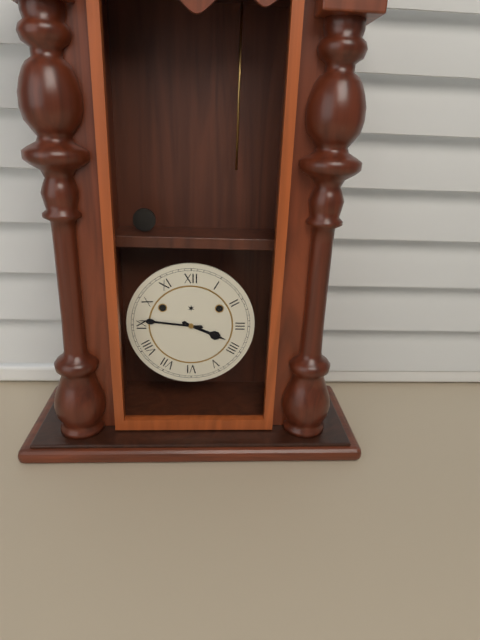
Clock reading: **3:46**
